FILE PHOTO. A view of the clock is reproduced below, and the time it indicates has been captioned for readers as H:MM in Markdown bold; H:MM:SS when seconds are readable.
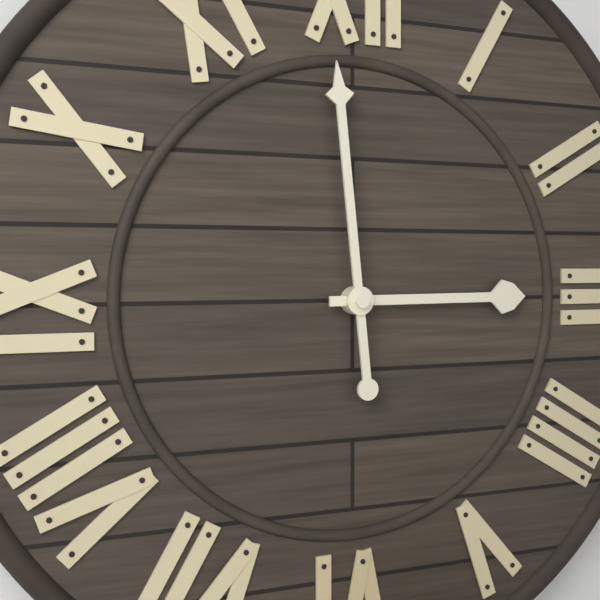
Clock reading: **2:59**
